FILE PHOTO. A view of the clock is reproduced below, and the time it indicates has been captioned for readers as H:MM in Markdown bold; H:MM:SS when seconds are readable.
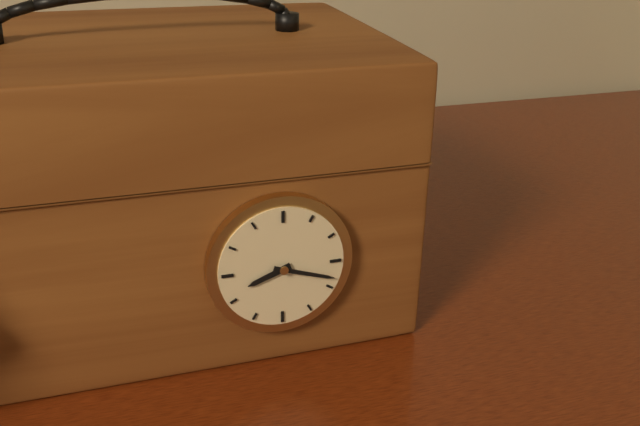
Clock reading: **8:18**
